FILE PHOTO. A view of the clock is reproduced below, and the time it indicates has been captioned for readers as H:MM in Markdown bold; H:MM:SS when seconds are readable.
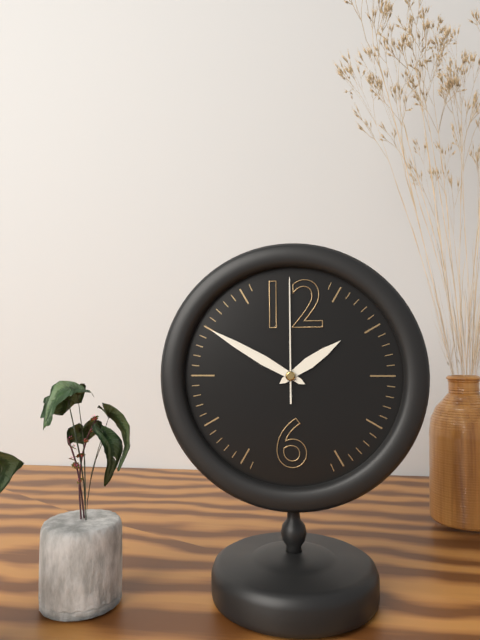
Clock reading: **1:50:00**
